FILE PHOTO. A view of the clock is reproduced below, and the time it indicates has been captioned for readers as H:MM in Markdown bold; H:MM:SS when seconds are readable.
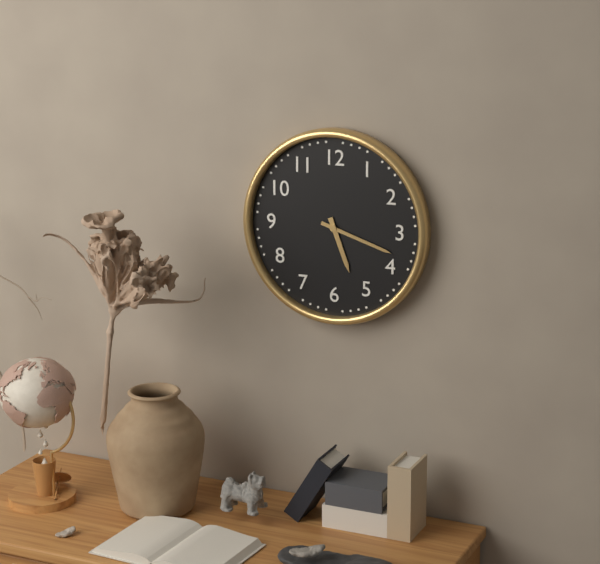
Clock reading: **5:18**
